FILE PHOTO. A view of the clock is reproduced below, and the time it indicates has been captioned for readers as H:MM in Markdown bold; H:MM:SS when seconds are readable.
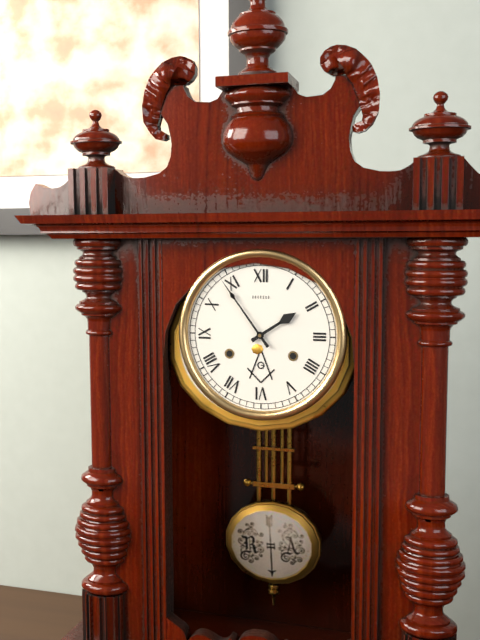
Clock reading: **1:54**
